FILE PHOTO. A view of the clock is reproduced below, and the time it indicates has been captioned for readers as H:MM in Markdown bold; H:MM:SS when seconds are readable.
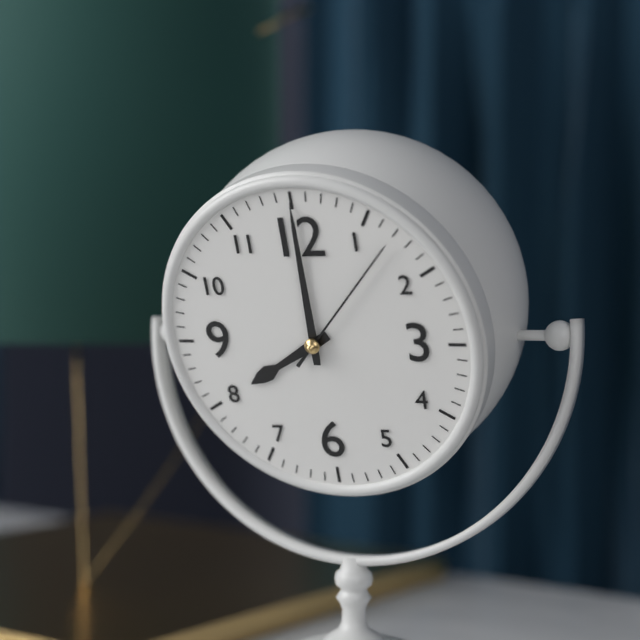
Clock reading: **8:00:07**
